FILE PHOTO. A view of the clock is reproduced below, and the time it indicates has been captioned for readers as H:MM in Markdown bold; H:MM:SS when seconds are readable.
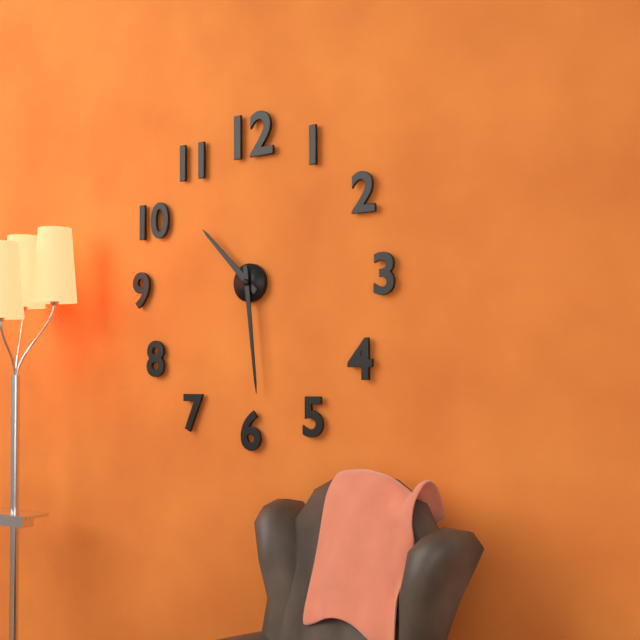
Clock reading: **10:29**
